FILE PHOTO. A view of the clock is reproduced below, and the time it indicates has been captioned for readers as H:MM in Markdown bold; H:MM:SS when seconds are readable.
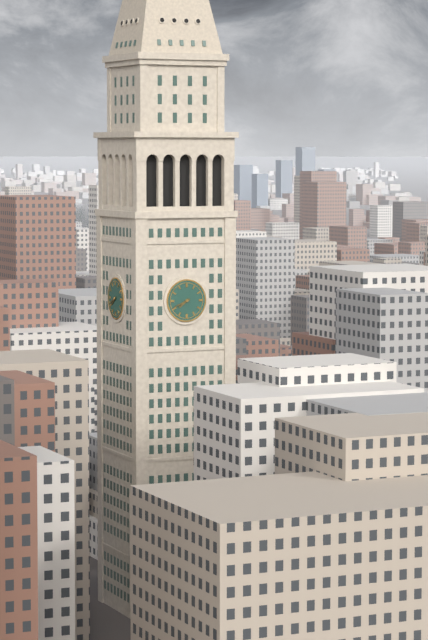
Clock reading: **7:41**
